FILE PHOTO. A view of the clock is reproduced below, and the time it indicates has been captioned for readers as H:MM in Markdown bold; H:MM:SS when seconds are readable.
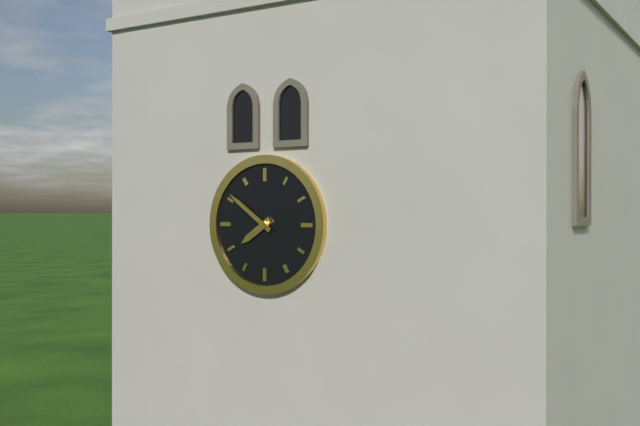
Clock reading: **7:51**
